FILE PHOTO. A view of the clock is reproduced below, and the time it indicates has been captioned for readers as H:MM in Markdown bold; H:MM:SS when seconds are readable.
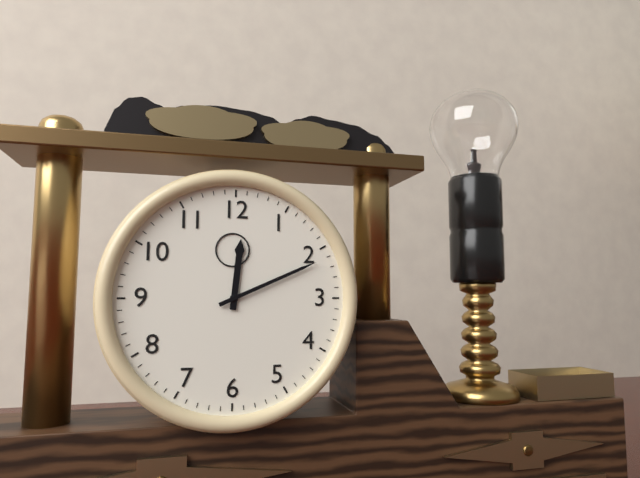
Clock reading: **12:11**
